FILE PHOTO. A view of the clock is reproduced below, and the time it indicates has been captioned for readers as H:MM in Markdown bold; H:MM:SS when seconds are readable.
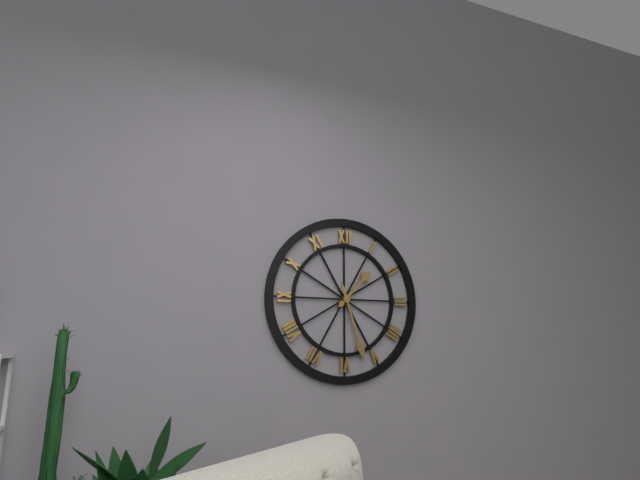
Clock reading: **1:27**
